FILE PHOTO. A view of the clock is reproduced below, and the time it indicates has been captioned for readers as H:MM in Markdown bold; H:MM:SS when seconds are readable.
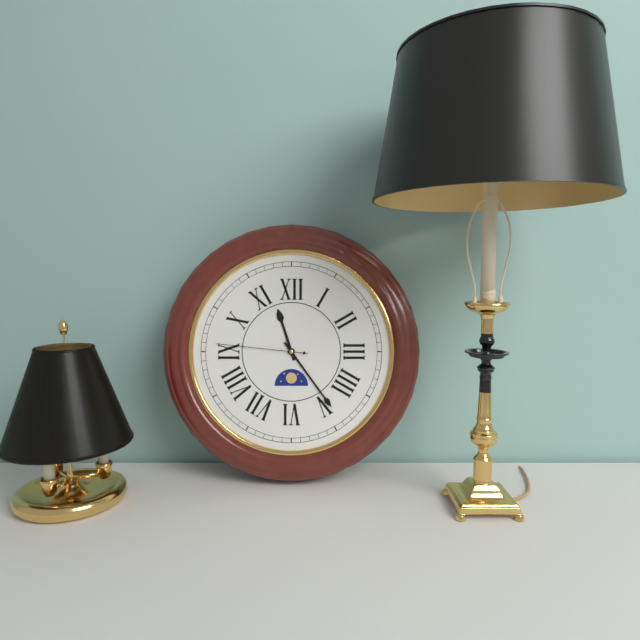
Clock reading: **11:24:46**
